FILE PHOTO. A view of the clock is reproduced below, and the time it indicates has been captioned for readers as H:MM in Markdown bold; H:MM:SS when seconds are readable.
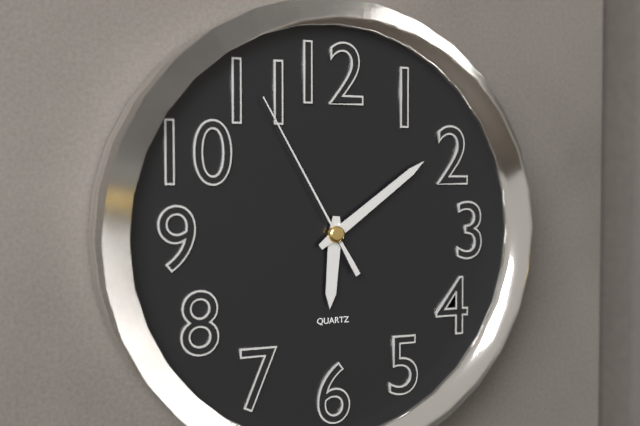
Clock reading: **6:09:55**
